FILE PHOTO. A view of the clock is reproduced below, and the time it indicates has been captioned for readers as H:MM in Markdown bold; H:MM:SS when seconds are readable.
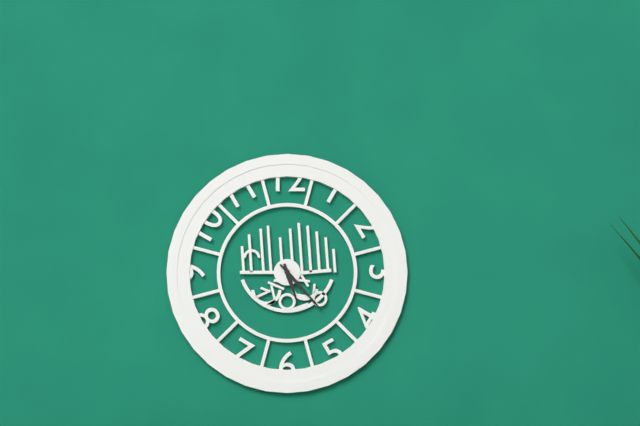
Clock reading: **5:23**
